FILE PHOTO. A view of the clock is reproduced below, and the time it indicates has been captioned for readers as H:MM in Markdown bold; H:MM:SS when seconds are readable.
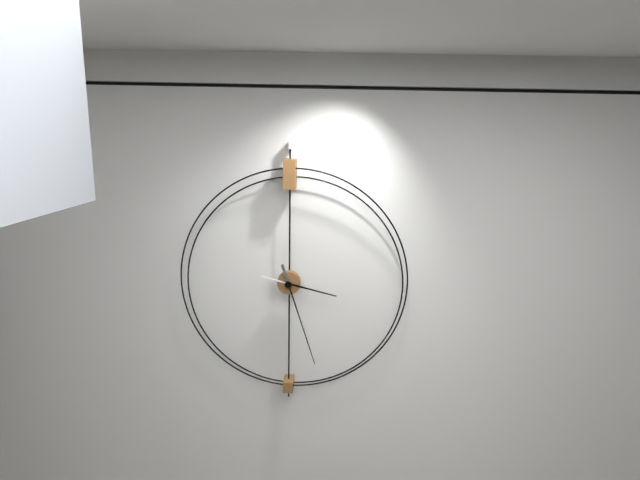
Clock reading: **3:27**
